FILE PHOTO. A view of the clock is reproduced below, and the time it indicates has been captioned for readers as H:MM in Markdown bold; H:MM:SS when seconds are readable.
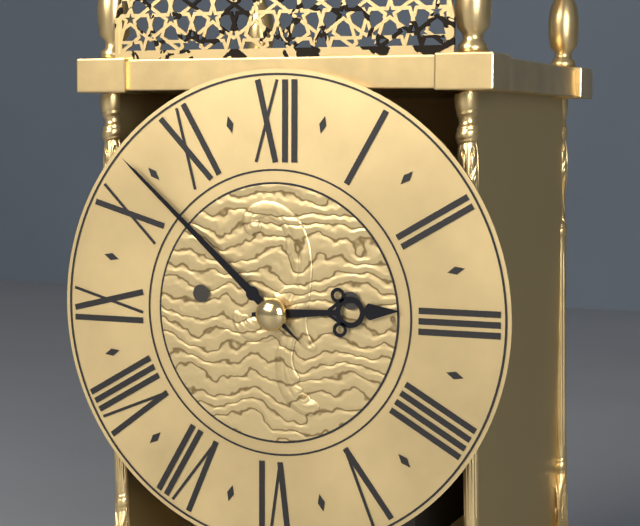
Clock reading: **2:52**
